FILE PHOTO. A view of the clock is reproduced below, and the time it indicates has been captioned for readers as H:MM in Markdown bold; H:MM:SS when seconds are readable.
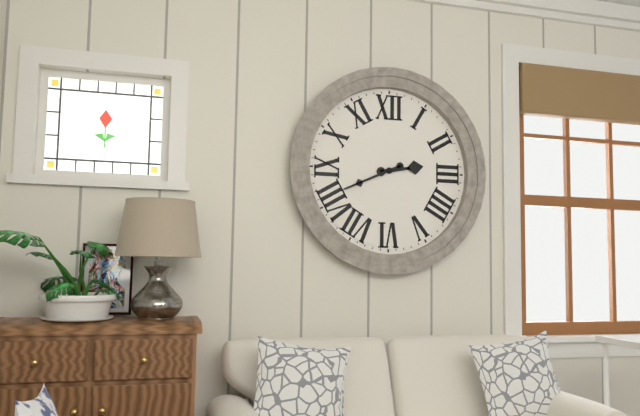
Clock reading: **2:41**
